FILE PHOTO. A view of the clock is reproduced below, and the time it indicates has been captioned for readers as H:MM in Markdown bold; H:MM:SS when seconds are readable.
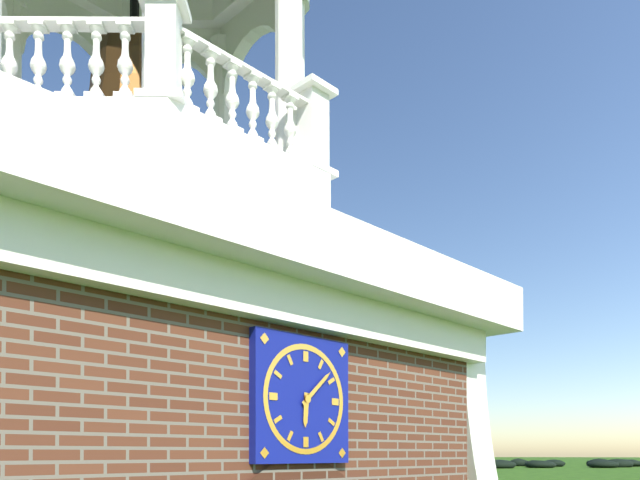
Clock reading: **6:08**
